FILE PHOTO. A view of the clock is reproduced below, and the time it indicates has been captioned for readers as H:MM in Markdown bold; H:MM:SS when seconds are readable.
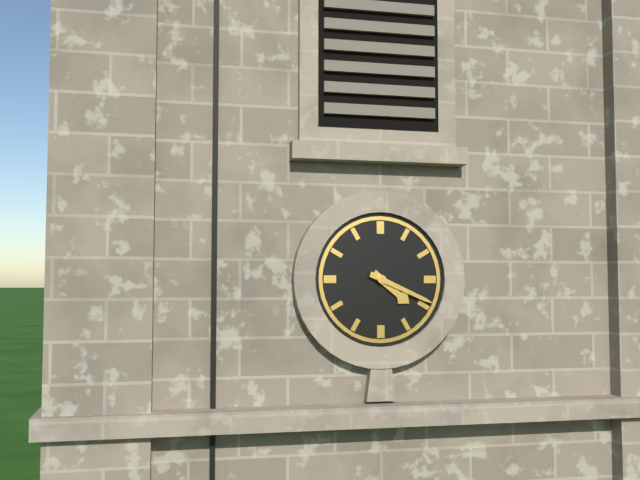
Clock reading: **4:19**
